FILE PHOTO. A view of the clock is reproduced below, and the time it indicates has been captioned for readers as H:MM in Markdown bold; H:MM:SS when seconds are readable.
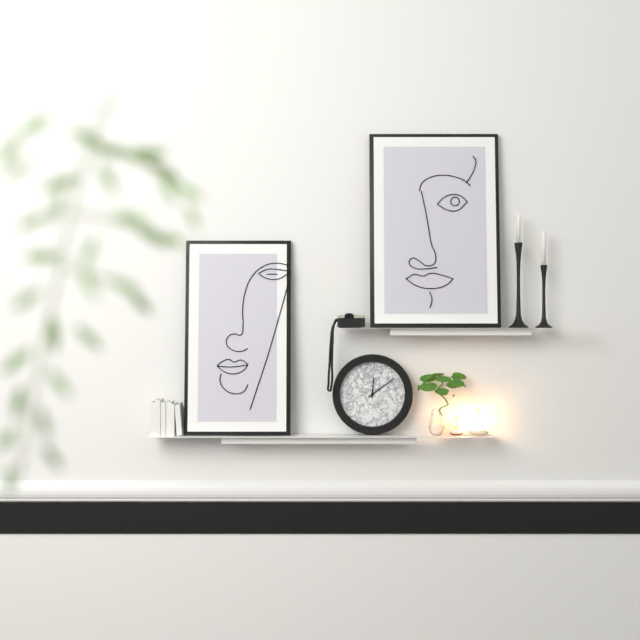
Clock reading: **12:09**
